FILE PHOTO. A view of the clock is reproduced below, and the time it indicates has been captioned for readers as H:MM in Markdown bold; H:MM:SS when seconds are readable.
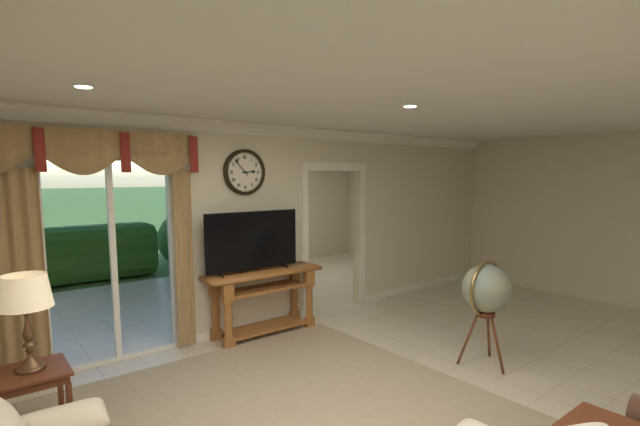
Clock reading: **2:53**
